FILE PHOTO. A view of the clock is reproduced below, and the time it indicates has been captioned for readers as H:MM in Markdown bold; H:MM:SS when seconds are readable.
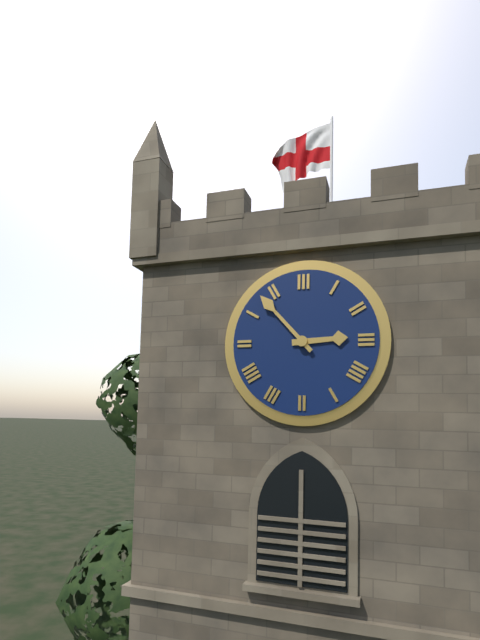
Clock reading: **2:53**
